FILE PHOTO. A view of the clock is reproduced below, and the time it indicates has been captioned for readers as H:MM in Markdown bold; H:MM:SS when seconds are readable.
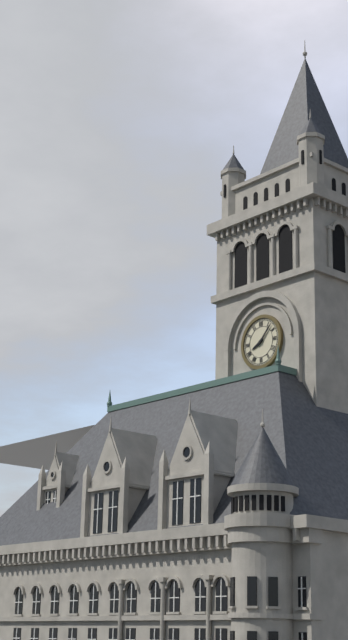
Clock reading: **8:07**
